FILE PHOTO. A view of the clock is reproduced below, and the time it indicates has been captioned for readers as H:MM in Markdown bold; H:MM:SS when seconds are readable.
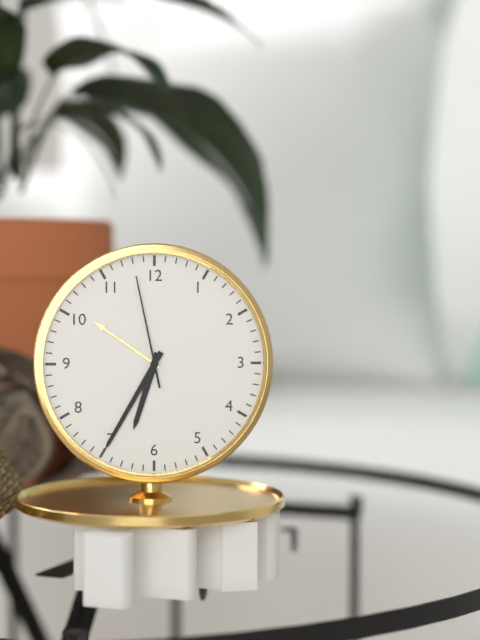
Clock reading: **6:35:58**
